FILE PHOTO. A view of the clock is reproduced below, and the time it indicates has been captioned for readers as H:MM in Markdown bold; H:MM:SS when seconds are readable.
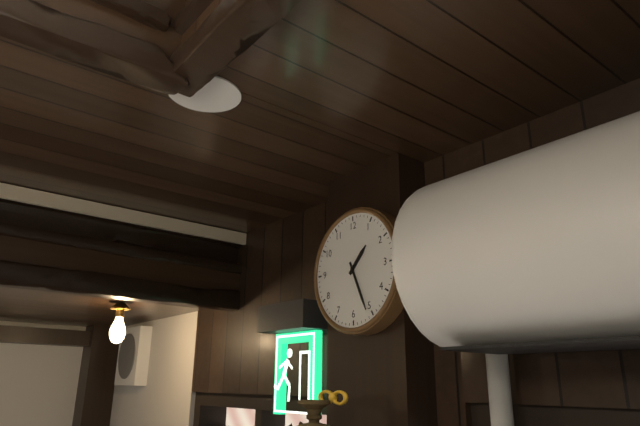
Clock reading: **1:26**
